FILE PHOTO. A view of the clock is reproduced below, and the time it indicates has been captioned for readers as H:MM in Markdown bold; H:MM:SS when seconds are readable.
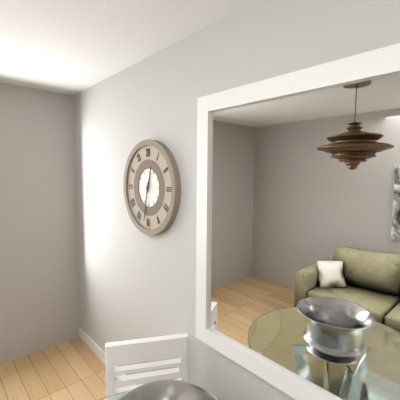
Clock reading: **12:32**
